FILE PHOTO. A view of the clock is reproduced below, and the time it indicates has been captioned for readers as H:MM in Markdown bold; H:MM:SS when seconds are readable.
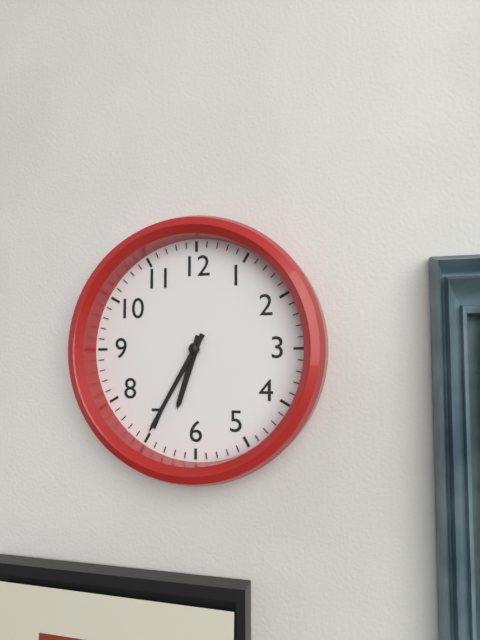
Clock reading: **6:35**
